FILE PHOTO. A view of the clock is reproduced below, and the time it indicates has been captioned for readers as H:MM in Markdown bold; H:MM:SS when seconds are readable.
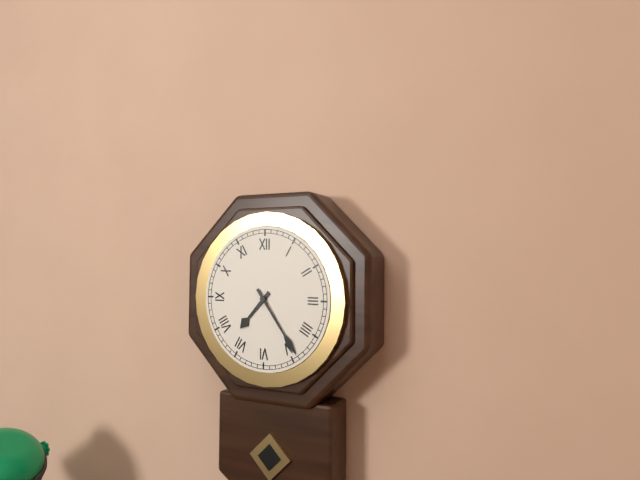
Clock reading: **7:24**
